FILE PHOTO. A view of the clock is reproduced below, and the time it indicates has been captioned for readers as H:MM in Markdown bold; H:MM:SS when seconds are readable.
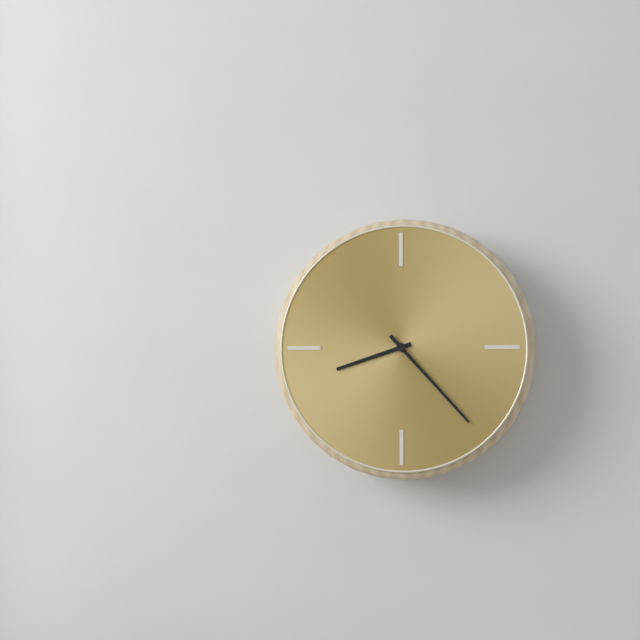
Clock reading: **8:23**
